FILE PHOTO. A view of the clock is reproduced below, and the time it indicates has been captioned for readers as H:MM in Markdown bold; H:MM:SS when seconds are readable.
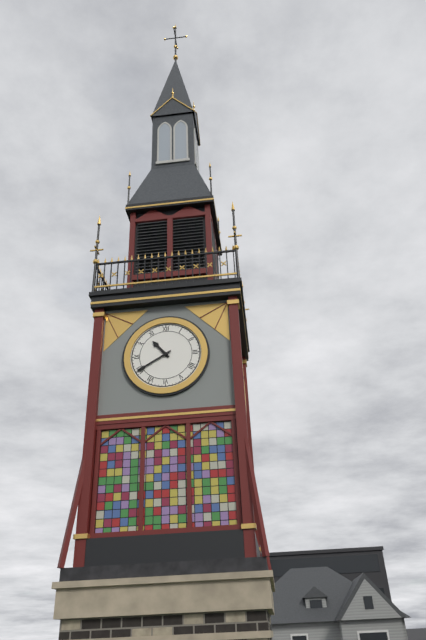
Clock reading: **10:40**
